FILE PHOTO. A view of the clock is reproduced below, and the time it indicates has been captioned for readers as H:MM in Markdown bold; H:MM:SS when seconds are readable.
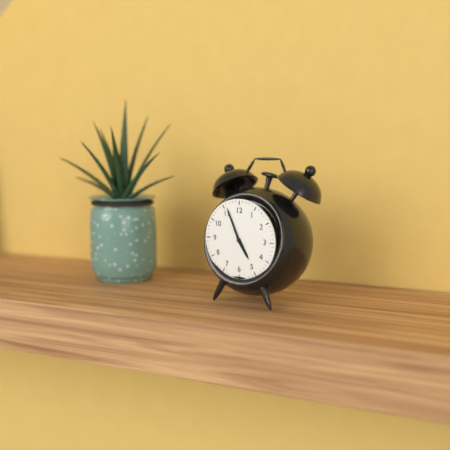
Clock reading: **4:56**
